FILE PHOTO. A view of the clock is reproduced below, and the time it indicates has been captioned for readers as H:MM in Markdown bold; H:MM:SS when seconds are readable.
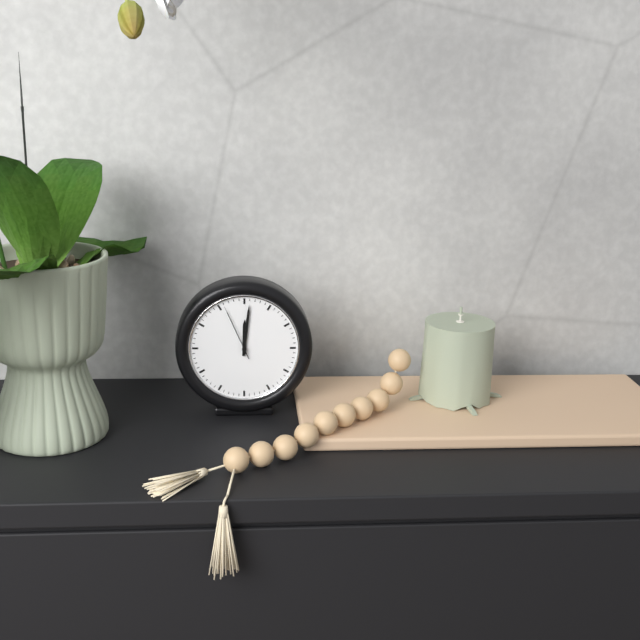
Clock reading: **12:01:56**
